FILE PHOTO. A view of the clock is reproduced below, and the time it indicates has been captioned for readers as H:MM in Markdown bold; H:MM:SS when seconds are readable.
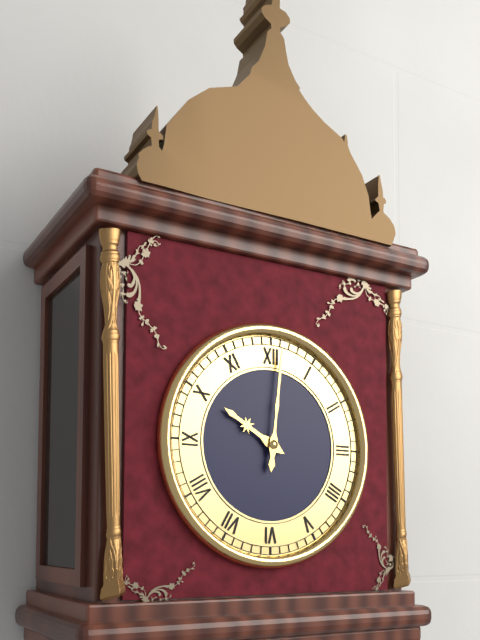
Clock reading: **10:01**
